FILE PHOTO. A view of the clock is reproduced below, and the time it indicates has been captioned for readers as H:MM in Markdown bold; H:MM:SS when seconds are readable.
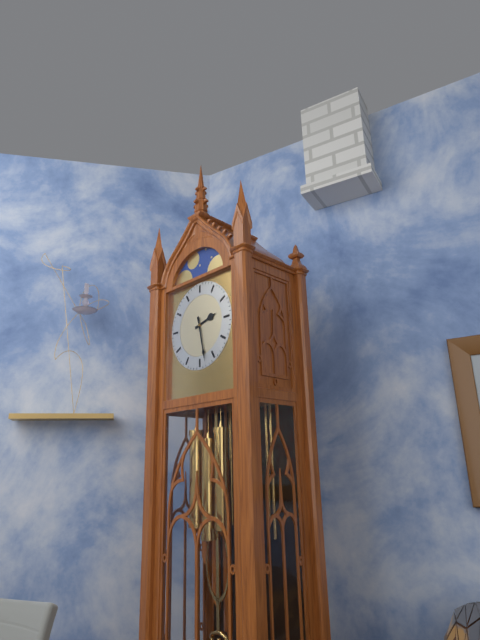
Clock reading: **2:28**
